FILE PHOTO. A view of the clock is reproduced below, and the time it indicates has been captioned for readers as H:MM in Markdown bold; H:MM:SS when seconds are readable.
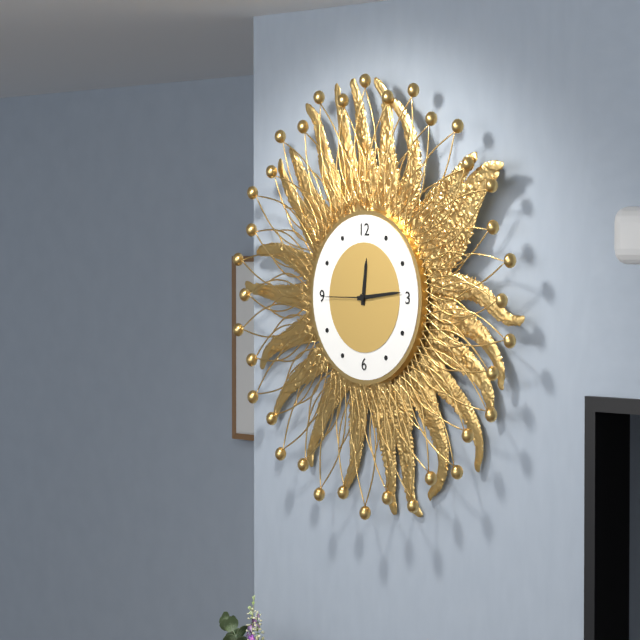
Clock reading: **12:14:45**
